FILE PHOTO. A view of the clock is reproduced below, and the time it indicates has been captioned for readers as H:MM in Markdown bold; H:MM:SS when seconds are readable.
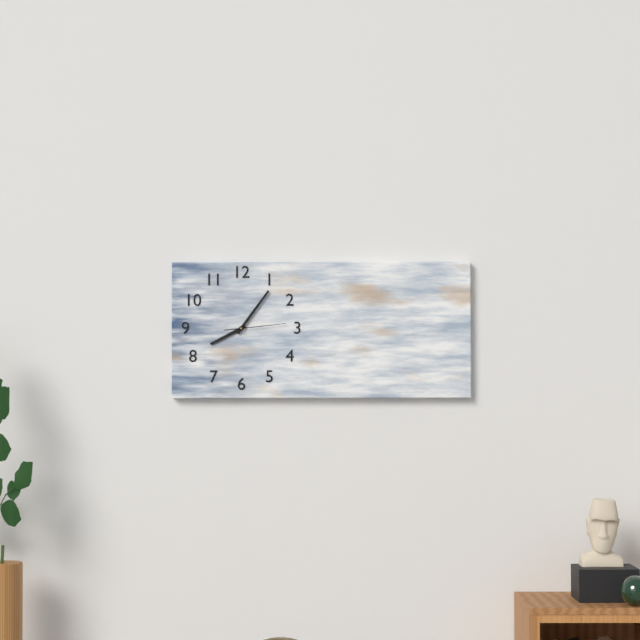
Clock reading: **8:06:14**
